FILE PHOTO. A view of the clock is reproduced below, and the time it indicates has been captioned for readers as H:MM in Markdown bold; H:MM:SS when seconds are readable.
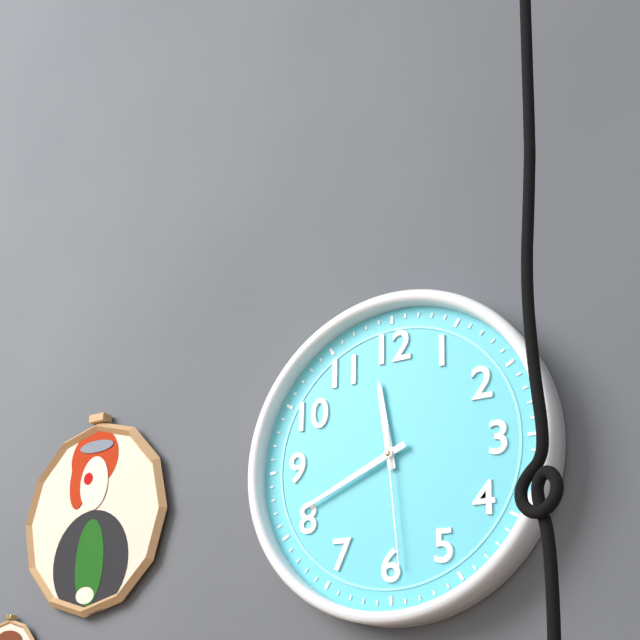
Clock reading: **11:41:29**
